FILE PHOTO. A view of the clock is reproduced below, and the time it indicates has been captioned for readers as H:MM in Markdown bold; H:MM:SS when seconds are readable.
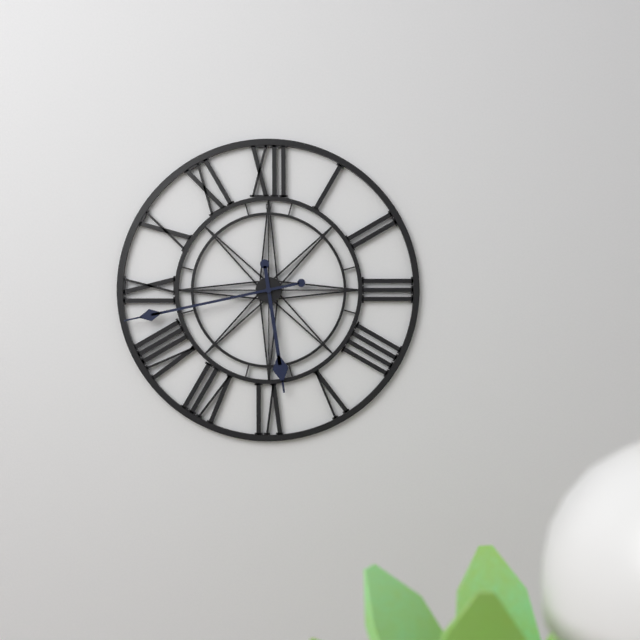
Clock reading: **5:43**
